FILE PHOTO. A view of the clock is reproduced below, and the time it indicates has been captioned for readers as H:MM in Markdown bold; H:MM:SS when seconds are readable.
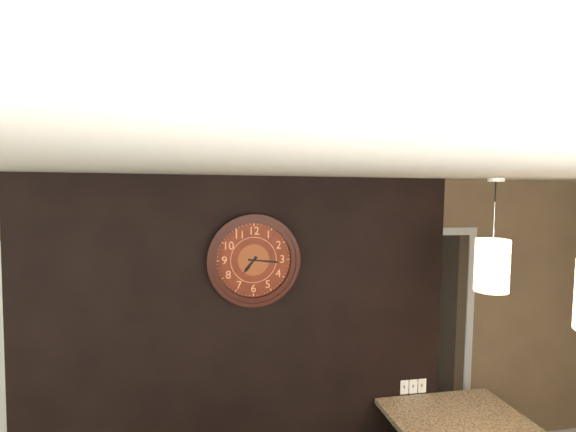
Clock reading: **7:16**
